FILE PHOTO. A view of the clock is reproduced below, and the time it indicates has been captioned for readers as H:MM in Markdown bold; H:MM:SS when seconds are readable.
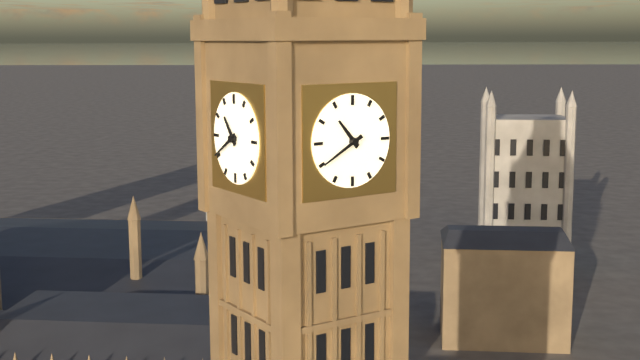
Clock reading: **10:40**
